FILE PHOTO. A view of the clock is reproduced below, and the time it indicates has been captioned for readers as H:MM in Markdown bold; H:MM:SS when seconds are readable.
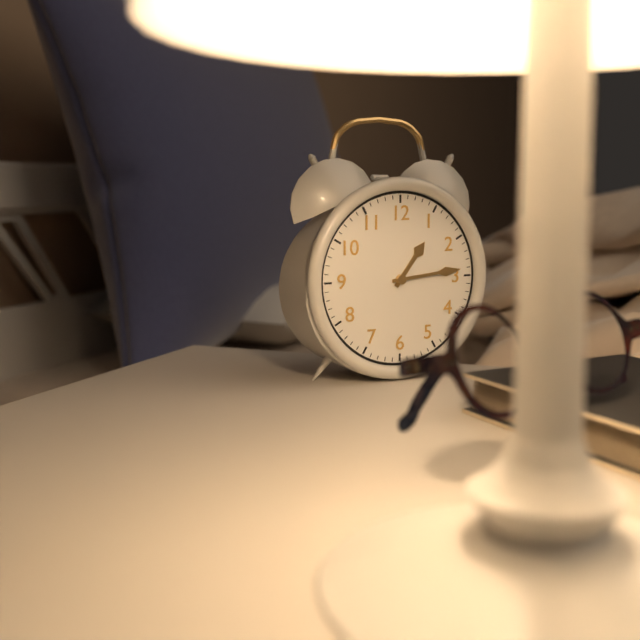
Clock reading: **1:14**
